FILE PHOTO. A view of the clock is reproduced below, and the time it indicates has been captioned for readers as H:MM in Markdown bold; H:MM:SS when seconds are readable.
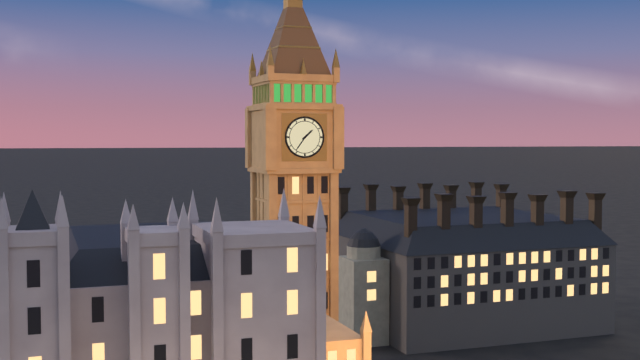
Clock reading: **1:36**
